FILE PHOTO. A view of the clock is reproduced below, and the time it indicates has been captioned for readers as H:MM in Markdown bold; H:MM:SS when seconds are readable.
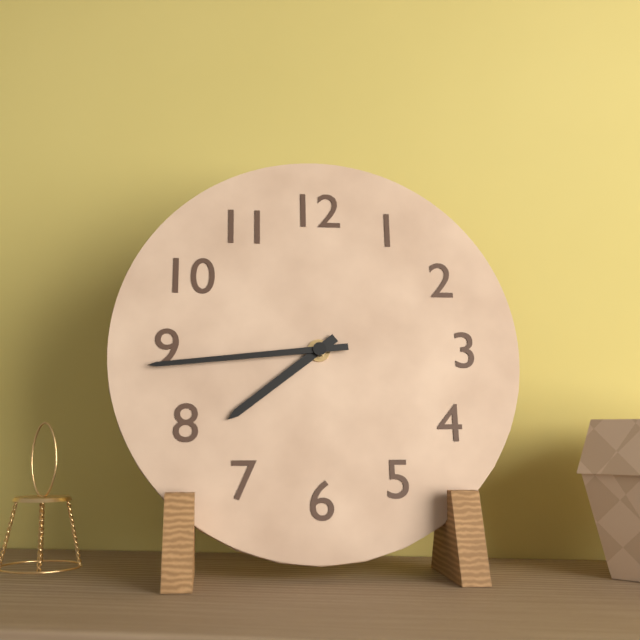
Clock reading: **7:44**
